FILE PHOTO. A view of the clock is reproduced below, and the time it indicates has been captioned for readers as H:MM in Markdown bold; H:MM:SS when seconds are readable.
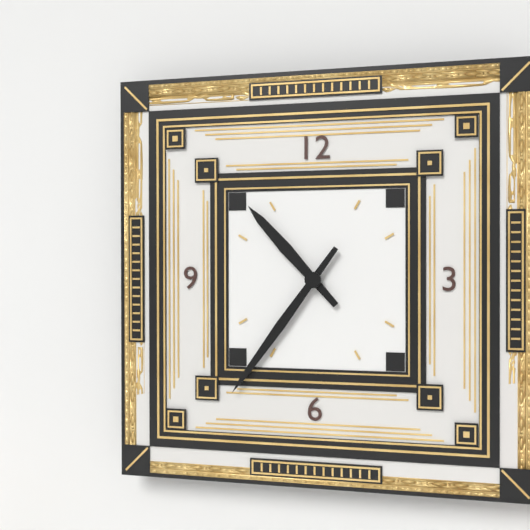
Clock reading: **10:36**
